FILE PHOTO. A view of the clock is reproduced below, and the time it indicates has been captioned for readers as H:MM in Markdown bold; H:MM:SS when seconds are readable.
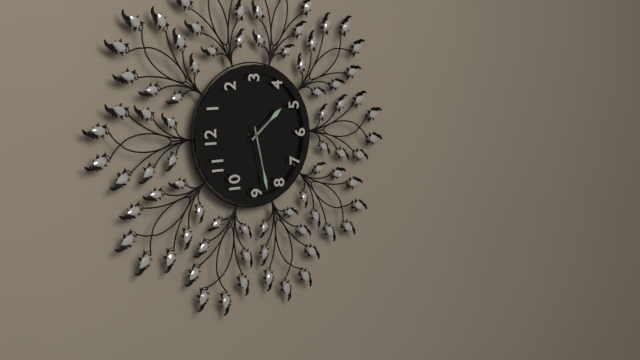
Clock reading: **4:43**
